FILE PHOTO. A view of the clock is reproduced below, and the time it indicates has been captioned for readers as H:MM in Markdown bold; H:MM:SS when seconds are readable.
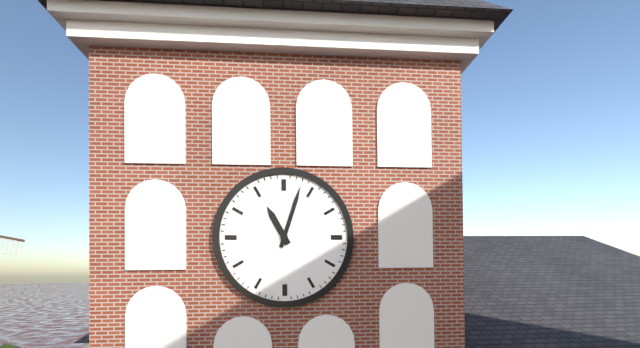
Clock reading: **11:03**
